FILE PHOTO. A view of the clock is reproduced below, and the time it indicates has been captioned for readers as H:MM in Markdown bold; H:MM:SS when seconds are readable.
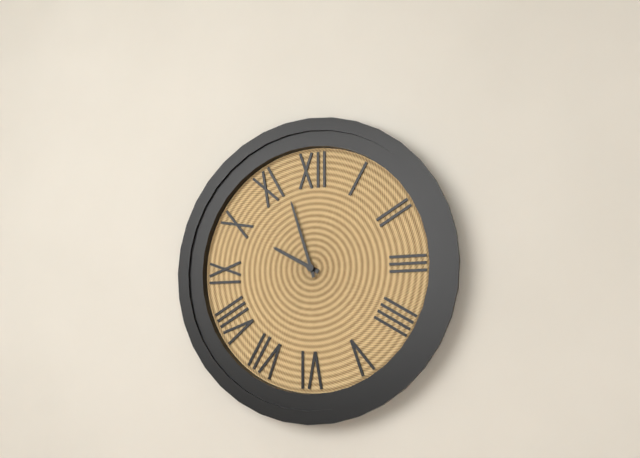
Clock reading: **9:57**
